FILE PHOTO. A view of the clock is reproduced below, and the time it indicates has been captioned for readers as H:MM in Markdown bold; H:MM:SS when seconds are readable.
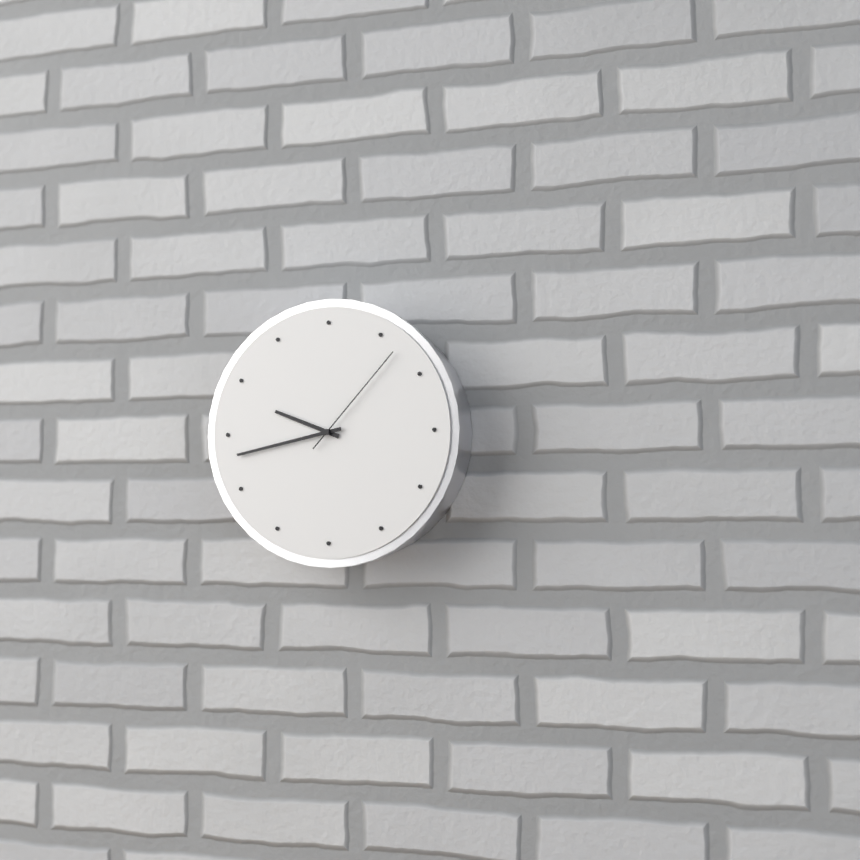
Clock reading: **9:43:07**
